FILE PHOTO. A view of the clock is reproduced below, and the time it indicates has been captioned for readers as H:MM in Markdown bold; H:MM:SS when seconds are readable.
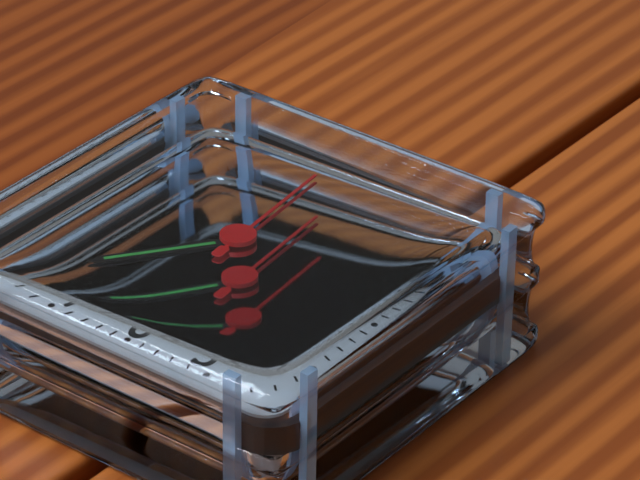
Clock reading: **6:36:59**
